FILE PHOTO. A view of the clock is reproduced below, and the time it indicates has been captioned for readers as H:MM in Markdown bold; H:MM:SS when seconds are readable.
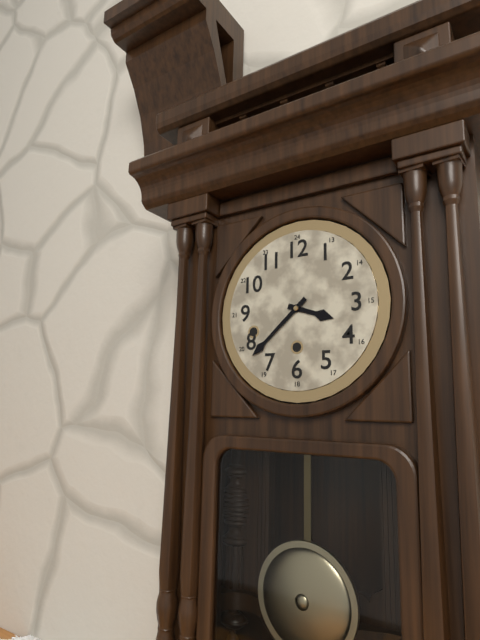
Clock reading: **3:38**
